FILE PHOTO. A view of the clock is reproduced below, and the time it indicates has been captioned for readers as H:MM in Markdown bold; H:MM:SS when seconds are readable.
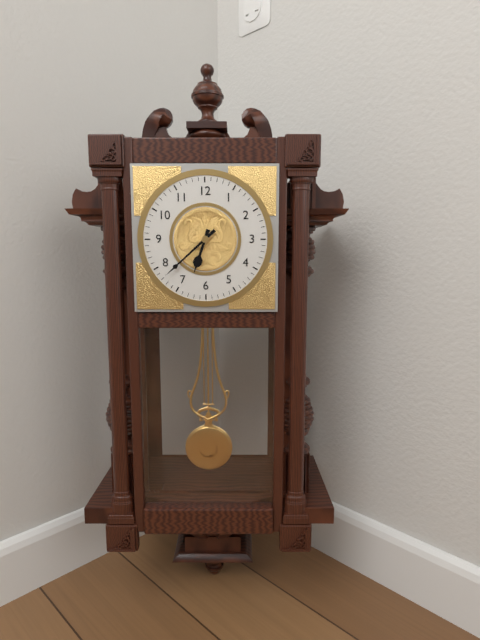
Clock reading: **6:38**
